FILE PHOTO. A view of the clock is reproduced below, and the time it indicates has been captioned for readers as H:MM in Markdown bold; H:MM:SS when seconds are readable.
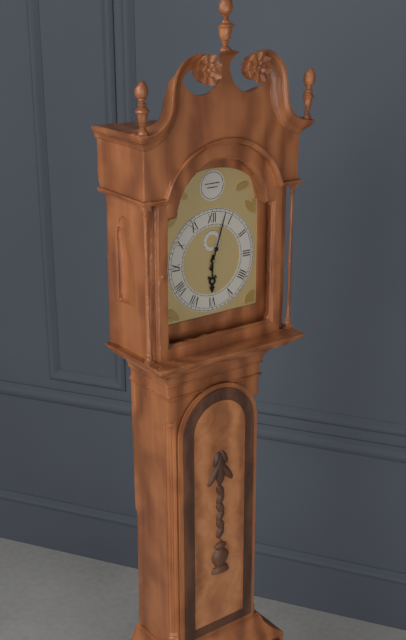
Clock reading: **6:03**
